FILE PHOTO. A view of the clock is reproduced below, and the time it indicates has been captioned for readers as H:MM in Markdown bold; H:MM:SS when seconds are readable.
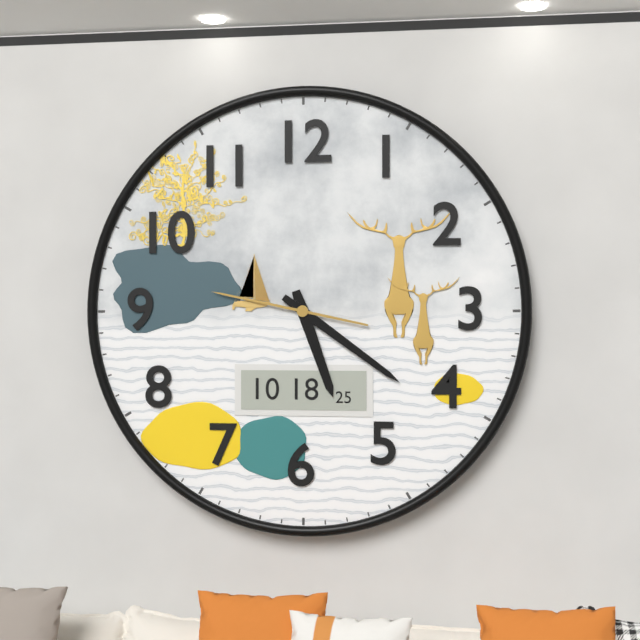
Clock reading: **5:21:47**
